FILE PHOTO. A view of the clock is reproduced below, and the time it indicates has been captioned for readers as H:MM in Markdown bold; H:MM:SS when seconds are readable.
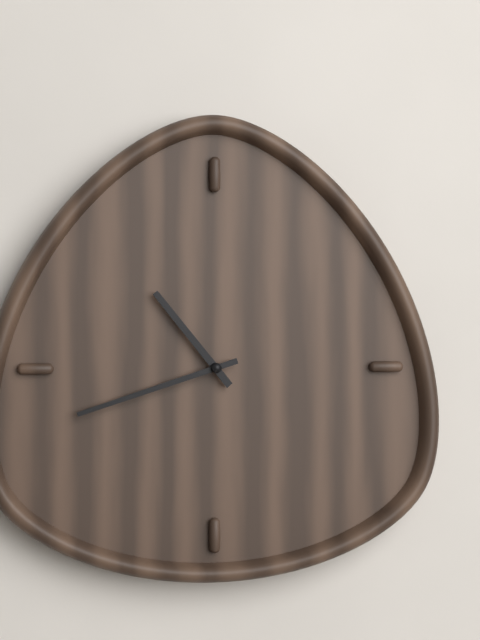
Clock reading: **10:42**
